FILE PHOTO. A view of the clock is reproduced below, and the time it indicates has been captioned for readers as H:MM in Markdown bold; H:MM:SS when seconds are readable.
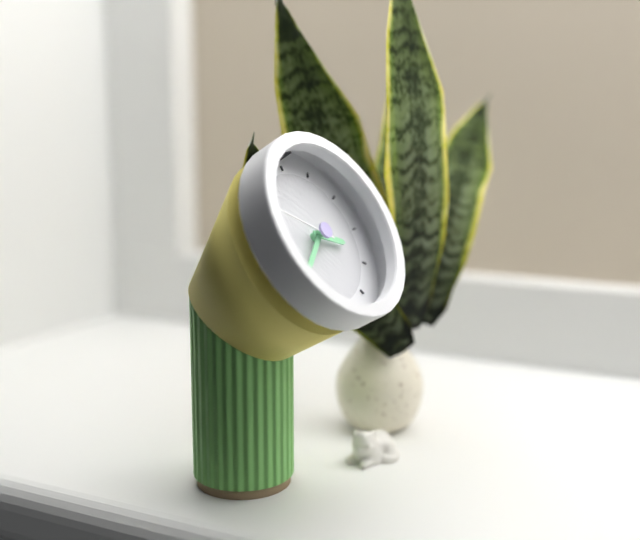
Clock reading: **3:39:50**
